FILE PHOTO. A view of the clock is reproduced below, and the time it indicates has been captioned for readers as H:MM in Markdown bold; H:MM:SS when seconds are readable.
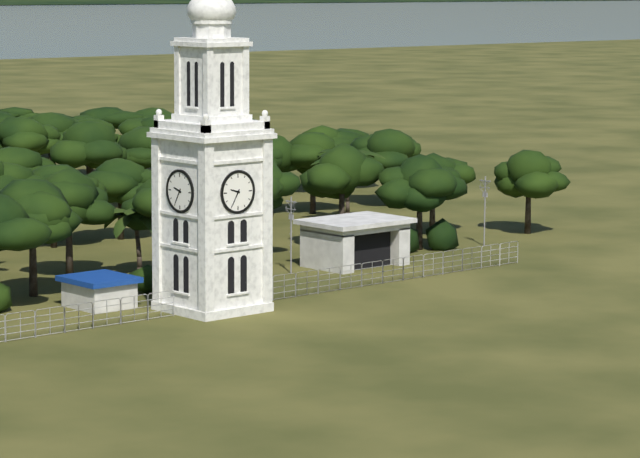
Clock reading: **9:35**
